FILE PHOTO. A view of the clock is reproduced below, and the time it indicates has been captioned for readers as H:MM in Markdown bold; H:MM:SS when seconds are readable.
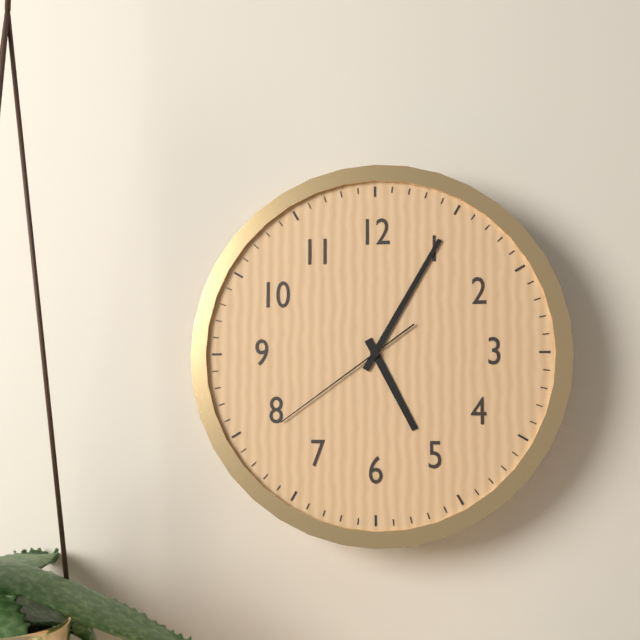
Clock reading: **5:05:39**
